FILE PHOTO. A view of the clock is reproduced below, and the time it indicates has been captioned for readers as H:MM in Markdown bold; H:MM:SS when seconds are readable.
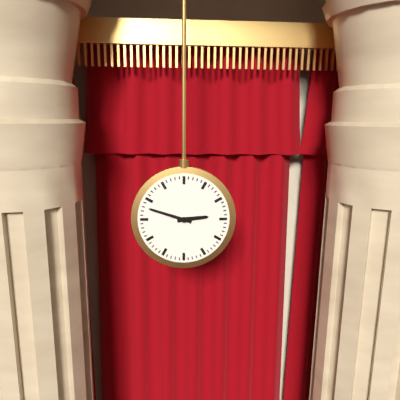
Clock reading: **2:48**
